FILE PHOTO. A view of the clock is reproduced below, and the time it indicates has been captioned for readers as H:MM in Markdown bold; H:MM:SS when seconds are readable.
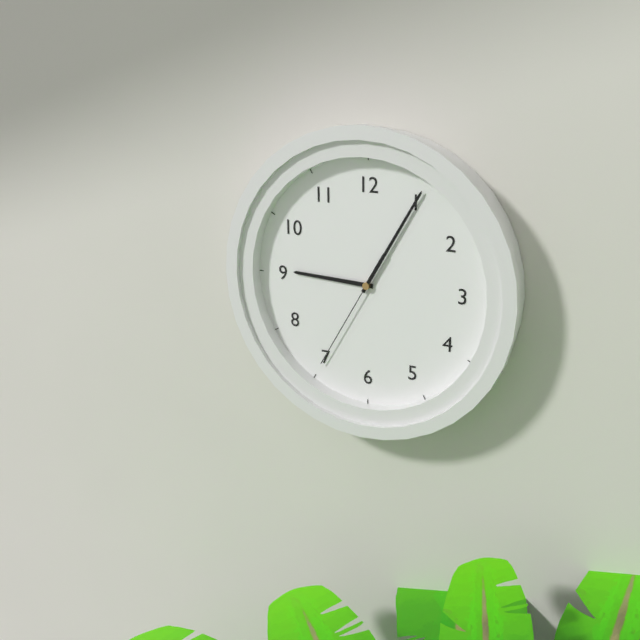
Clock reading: **9:05:35**
